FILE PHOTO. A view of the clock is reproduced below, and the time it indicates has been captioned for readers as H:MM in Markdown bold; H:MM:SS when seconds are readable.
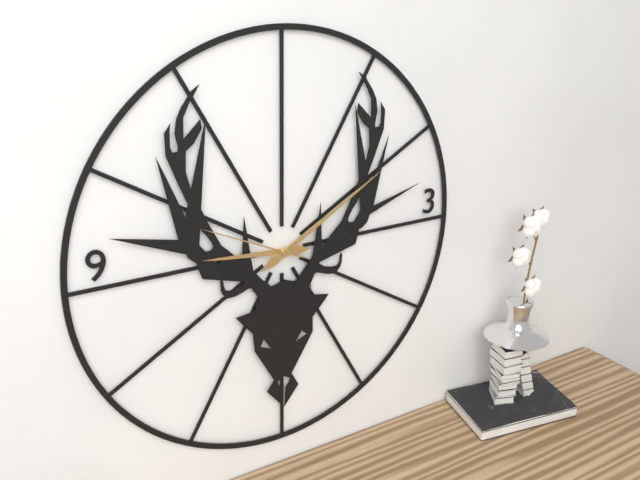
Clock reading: **9:10:49**
